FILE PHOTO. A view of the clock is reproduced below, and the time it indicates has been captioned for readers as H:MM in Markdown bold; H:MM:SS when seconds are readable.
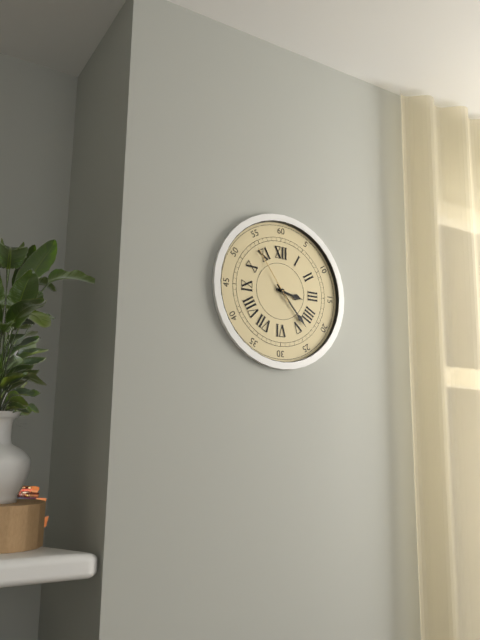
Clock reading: **3:23:54**
